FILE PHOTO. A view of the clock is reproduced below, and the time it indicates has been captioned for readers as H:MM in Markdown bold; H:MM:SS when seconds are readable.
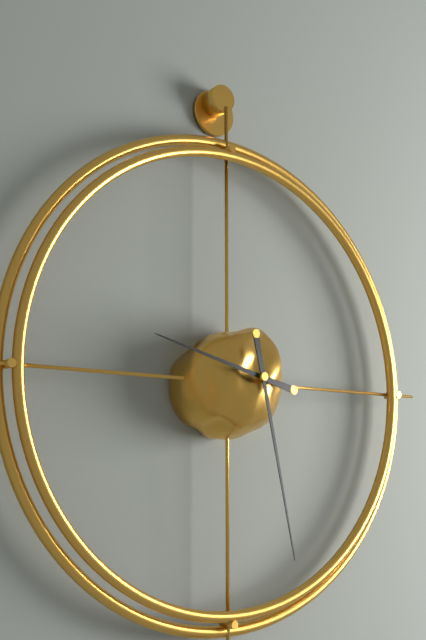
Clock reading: **9:28**
